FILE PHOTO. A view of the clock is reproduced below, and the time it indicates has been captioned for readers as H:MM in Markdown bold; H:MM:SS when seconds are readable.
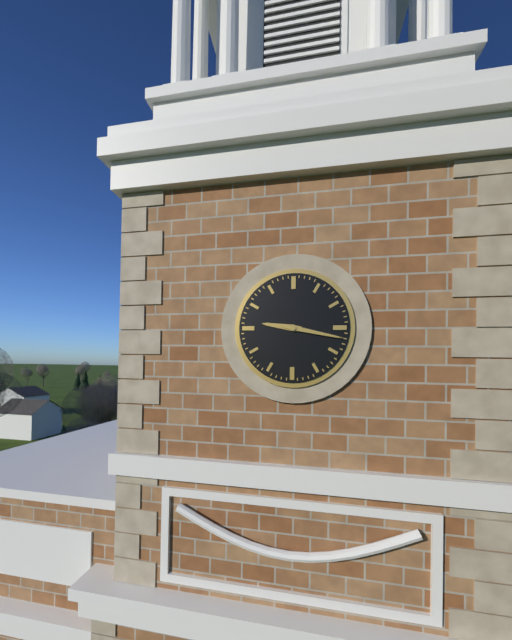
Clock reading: **9:17**
